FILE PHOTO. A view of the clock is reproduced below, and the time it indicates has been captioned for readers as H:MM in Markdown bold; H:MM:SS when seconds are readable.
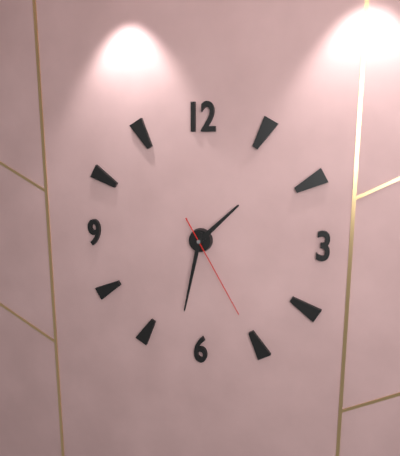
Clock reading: **1:32:25**
